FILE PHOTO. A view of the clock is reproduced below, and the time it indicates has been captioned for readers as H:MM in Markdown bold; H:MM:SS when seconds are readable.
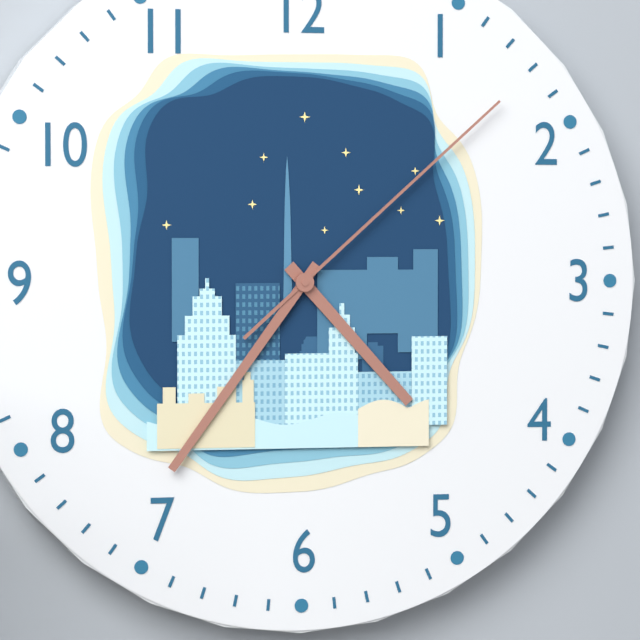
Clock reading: **4:36:08**
